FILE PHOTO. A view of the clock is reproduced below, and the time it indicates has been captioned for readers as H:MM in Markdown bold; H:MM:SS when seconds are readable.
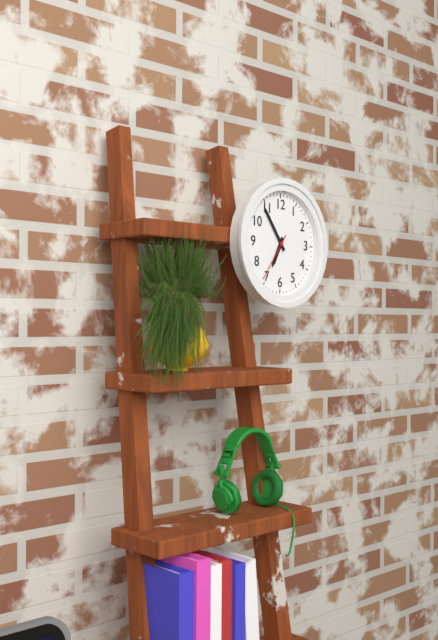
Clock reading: **6:54:36**
